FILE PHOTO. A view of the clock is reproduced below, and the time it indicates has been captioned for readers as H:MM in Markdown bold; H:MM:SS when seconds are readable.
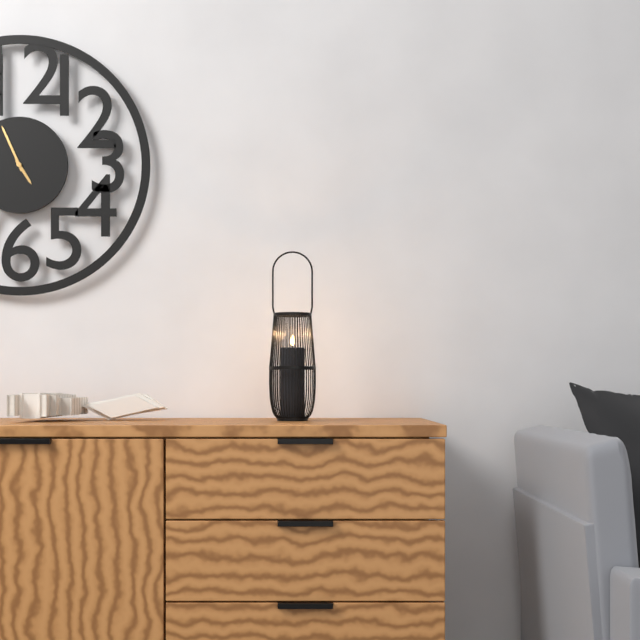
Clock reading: **4:56**
